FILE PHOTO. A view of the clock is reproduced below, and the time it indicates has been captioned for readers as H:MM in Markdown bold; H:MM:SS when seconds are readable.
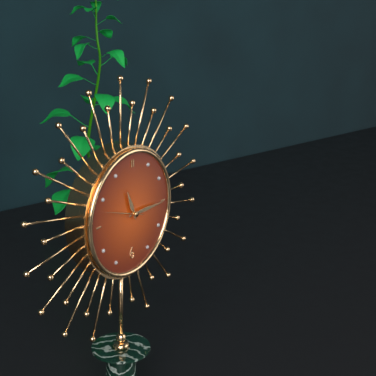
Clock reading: **11:15**
